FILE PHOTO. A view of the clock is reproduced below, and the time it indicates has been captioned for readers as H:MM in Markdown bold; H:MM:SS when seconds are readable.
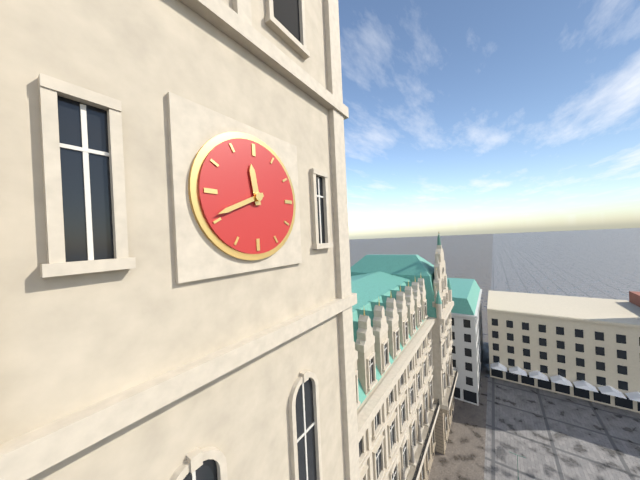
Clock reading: **11:41**
